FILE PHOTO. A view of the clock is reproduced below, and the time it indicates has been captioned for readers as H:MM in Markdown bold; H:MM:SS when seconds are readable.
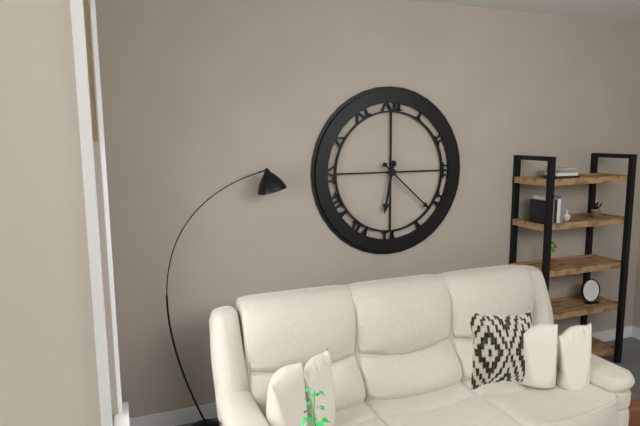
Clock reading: **6:22**
